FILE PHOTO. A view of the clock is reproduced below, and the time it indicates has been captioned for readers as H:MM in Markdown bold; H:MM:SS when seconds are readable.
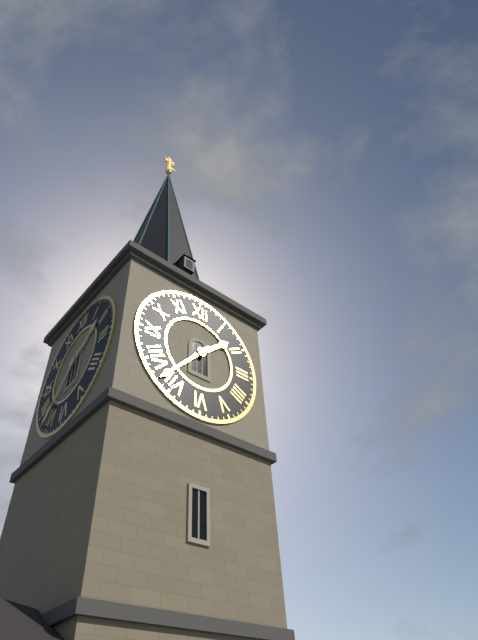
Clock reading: **1:37**
